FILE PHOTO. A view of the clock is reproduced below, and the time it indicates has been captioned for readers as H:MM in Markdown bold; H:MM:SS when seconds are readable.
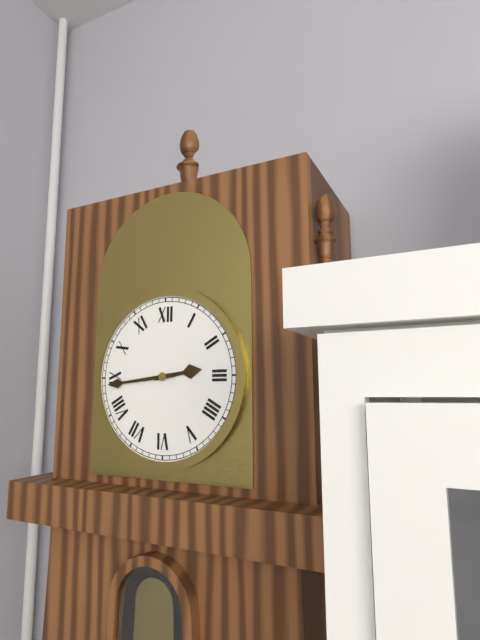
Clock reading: **2:44**
